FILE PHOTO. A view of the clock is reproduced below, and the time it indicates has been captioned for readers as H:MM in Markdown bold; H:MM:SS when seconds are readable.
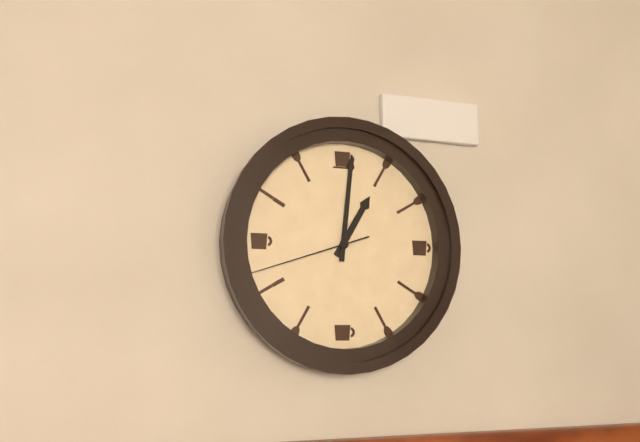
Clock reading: **1:01:42**
